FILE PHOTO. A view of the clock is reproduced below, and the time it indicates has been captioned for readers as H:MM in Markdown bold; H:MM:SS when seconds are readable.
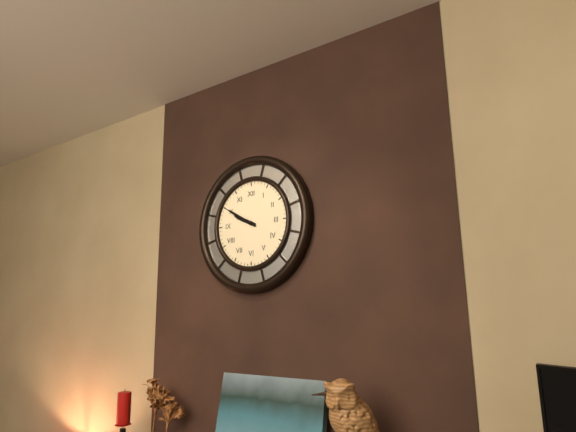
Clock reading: **9:50**
